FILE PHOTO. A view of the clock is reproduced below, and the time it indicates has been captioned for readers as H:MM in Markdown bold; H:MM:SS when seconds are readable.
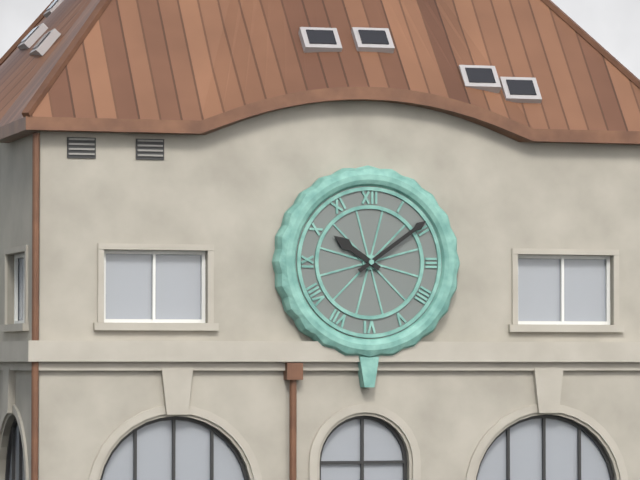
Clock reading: **10:09**
